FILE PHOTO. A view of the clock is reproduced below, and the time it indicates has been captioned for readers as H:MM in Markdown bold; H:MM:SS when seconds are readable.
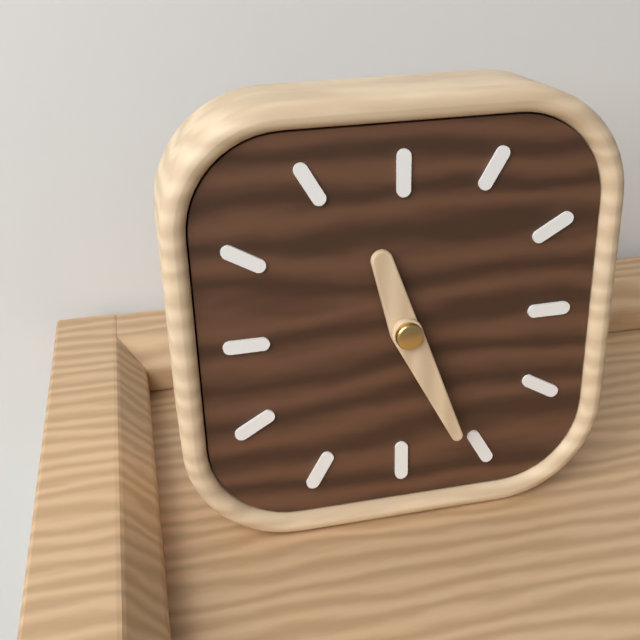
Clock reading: **11:26**
